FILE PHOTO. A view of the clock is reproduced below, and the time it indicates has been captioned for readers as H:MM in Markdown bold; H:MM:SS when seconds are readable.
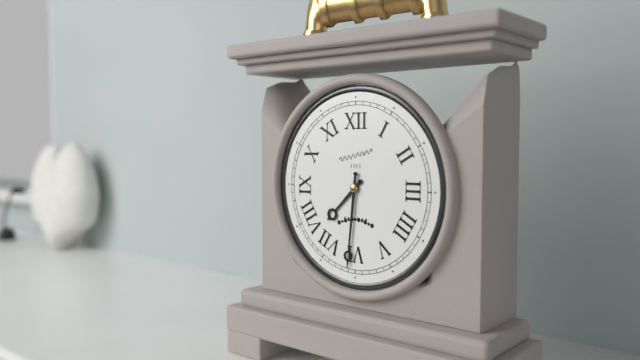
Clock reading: **7:31**
